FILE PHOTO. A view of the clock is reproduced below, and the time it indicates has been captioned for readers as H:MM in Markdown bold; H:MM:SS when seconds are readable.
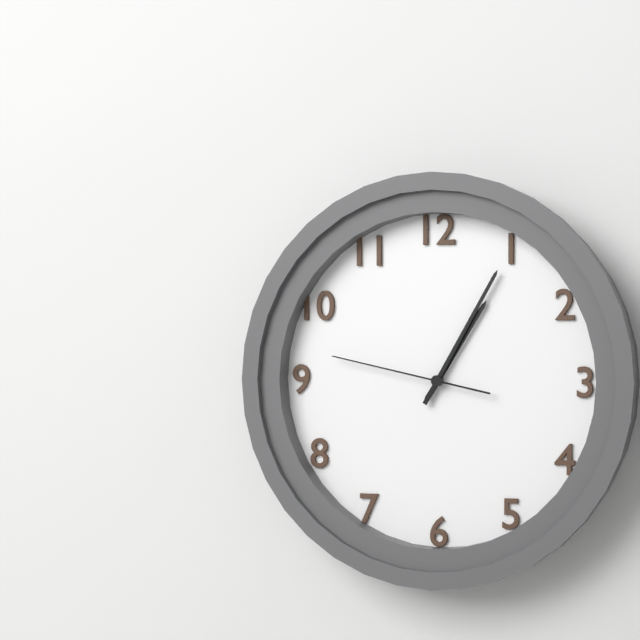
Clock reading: **1:05:47**
